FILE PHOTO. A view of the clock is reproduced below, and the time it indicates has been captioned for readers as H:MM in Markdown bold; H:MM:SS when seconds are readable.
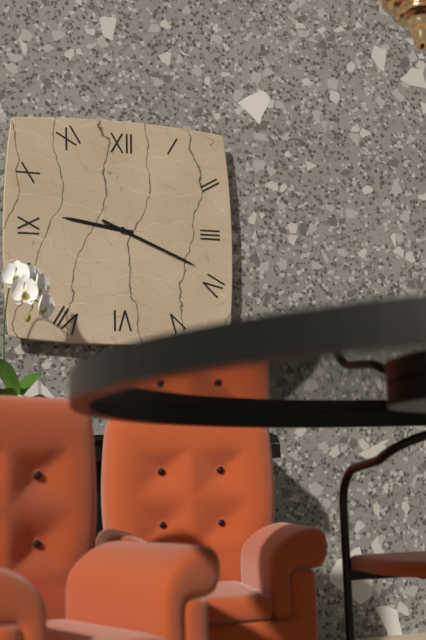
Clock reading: **9:19**
